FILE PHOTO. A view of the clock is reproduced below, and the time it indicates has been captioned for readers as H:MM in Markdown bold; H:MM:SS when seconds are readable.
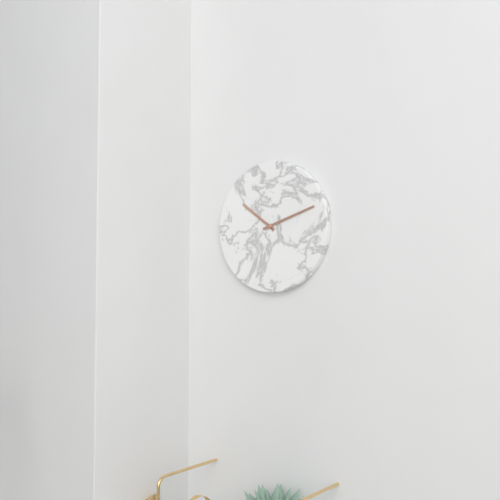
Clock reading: **10:12**
